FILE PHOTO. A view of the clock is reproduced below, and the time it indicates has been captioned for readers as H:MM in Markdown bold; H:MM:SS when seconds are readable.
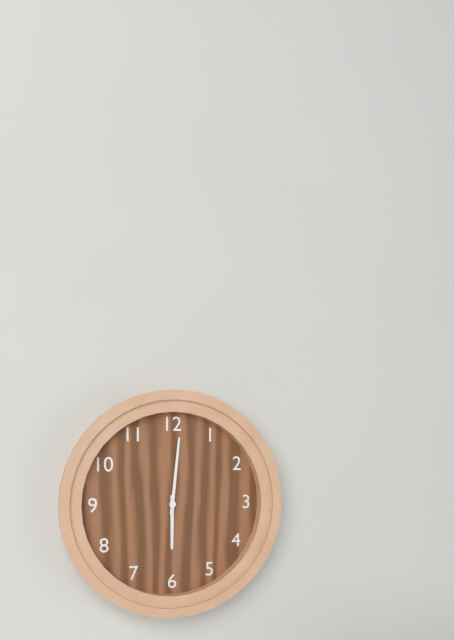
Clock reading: **6:01**
